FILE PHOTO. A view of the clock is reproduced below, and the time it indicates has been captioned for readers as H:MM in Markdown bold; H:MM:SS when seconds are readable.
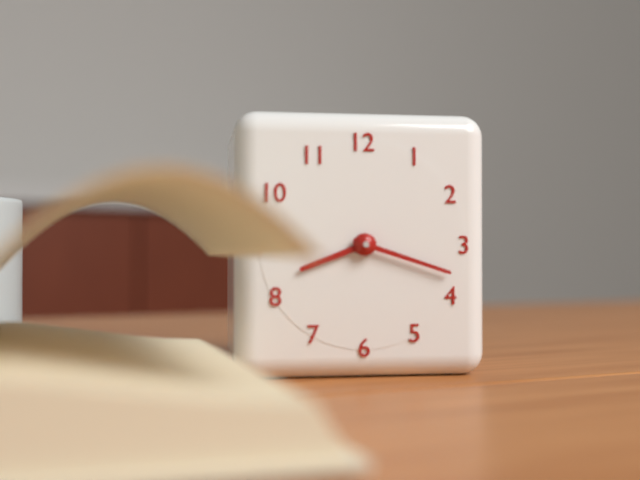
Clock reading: **8:18**
